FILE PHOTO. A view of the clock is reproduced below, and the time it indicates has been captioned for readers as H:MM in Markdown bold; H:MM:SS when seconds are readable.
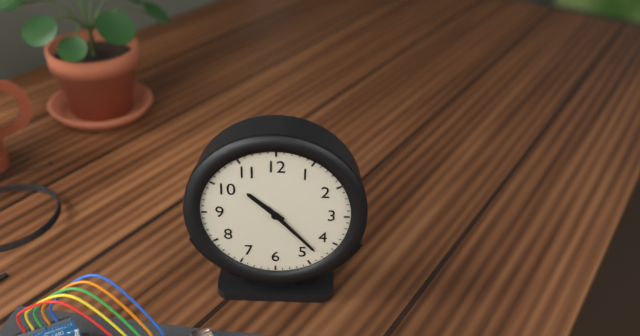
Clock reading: **10:23**
